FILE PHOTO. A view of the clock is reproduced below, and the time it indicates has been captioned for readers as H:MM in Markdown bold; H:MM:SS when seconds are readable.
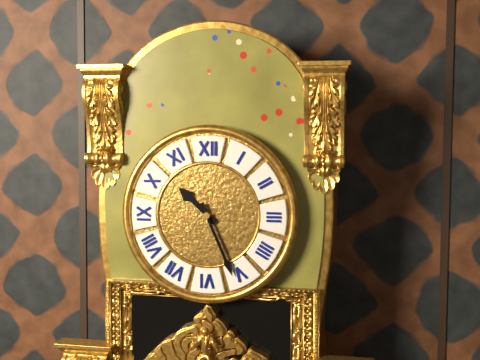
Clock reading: **10:26**
